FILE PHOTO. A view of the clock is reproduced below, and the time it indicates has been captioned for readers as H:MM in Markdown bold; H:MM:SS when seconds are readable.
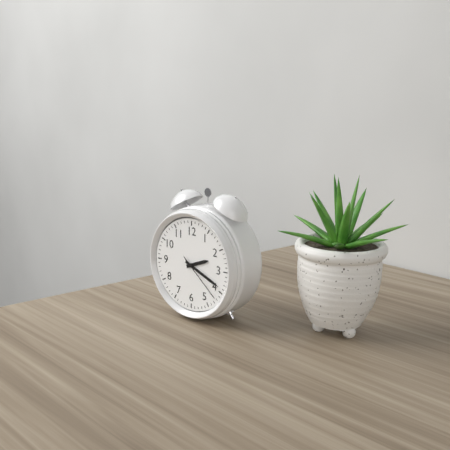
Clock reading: **2:19:22**
